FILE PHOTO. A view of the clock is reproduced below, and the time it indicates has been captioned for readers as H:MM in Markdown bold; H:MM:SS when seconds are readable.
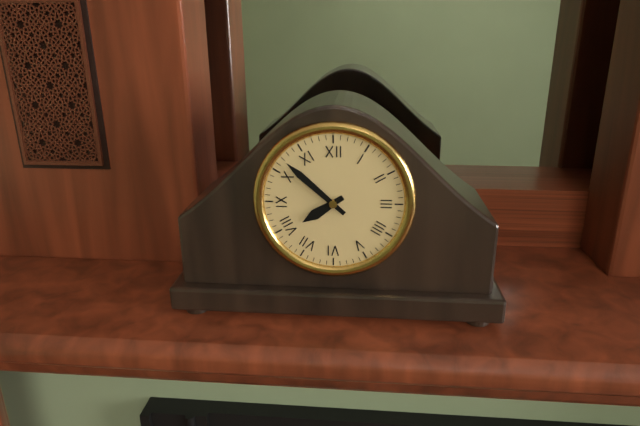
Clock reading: **7:52**
